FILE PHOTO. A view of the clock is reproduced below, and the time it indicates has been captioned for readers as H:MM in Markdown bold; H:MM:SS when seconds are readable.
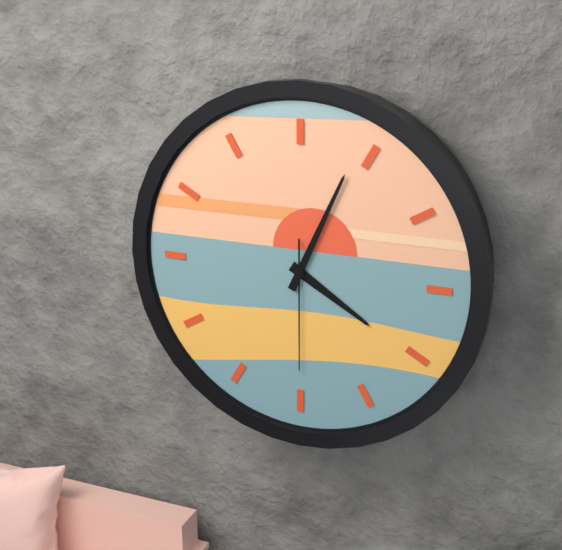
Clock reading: **4:04:30**
